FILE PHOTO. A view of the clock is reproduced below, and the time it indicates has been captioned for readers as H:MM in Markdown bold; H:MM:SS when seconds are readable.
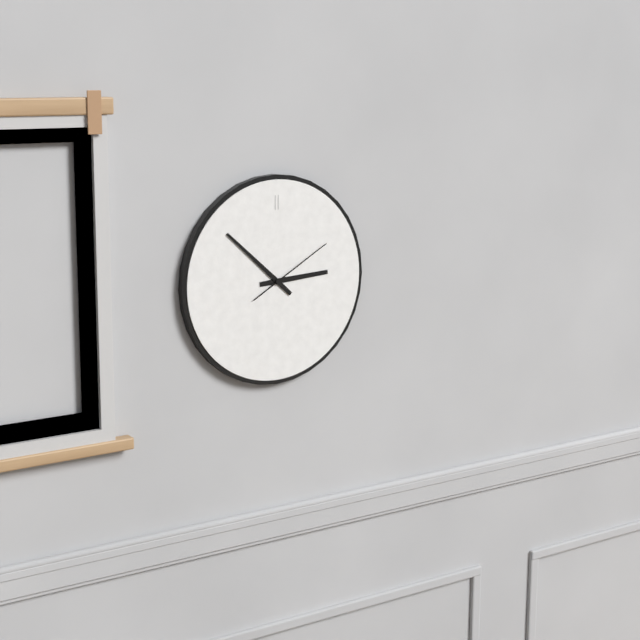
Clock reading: **2:52:10**
